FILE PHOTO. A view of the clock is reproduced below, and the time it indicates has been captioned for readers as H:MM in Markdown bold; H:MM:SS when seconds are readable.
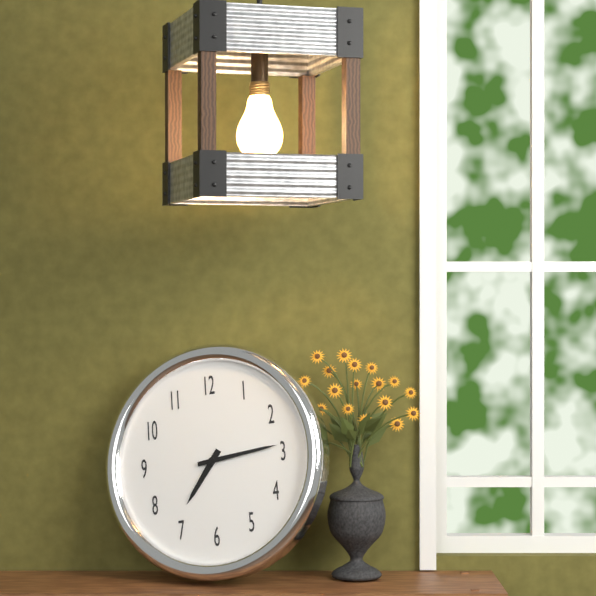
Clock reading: **7:14**
